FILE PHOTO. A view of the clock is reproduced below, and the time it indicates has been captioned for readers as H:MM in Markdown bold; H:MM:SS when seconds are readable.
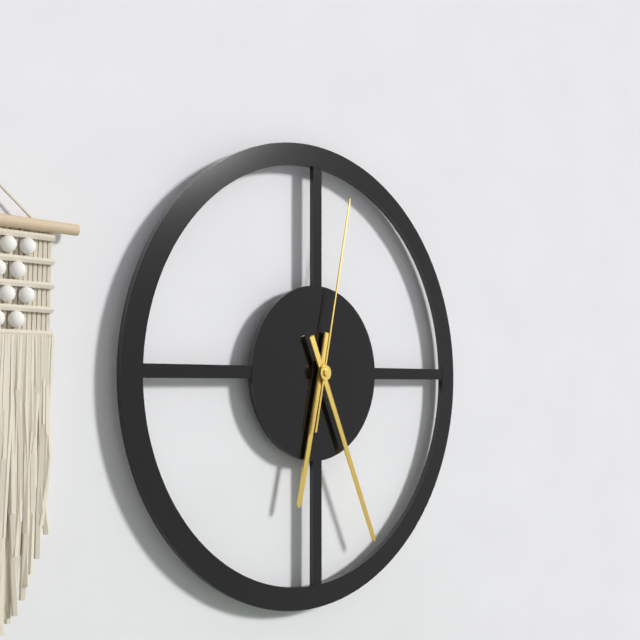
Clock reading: **6:26:02**
